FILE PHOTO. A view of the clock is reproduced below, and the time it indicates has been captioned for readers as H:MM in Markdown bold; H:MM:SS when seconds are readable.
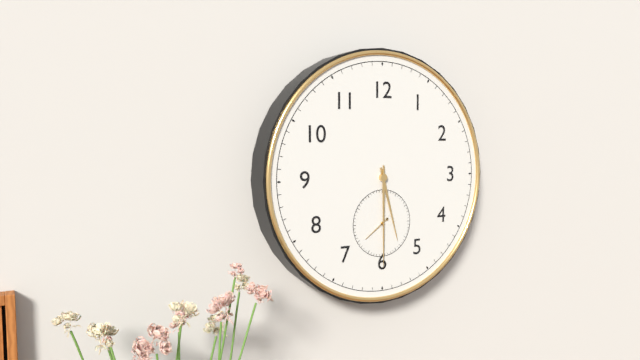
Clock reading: **5:30**
